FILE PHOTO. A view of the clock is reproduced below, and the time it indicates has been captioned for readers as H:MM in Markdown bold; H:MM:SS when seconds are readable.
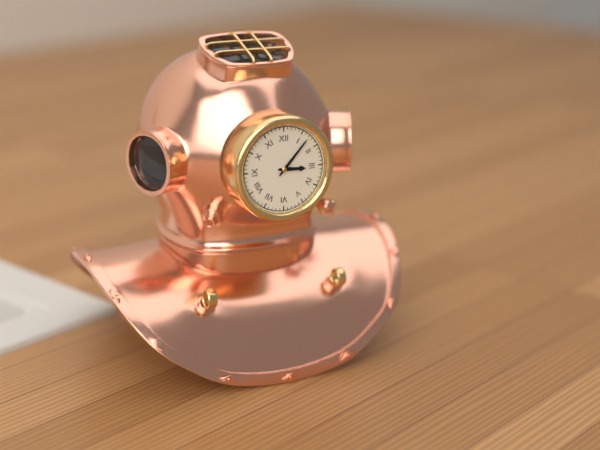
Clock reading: **3:07**
